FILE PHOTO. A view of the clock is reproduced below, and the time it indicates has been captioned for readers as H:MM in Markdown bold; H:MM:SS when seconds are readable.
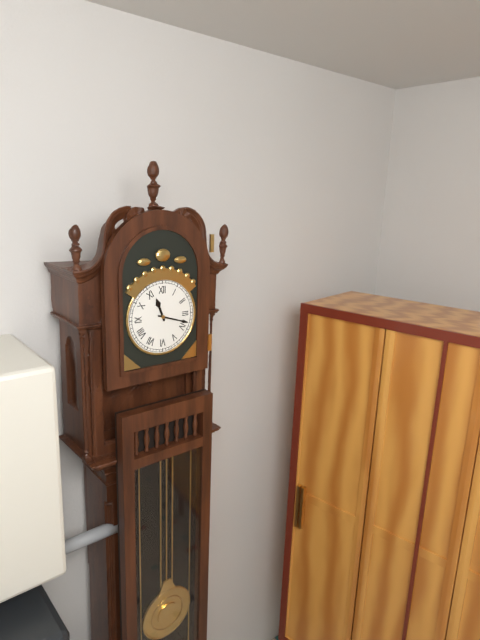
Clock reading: **11:18**
